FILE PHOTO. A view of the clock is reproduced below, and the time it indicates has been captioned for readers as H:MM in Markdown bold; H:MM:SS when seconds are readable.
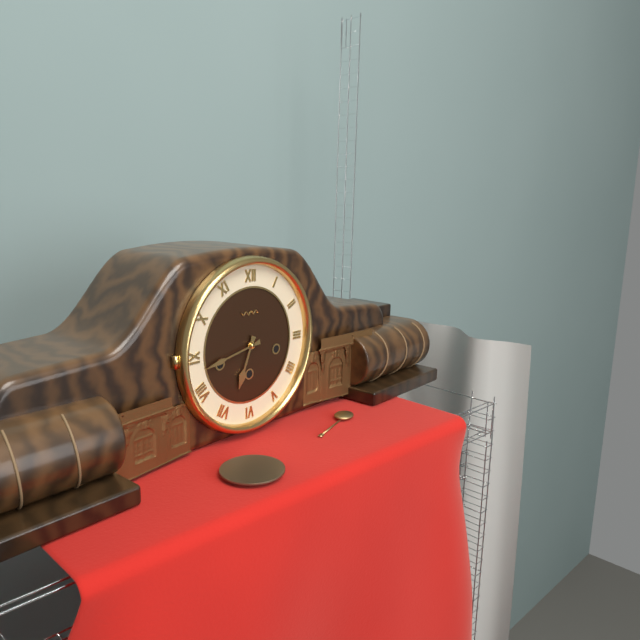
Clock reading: **6:43**
